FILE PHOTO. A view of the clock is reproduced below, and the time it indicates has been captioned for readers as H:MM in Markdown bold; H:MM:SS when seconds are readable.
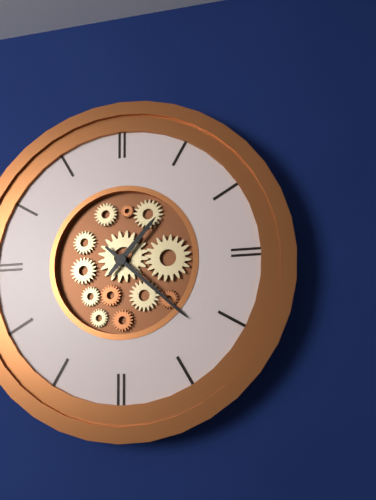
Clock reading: **1:22**
